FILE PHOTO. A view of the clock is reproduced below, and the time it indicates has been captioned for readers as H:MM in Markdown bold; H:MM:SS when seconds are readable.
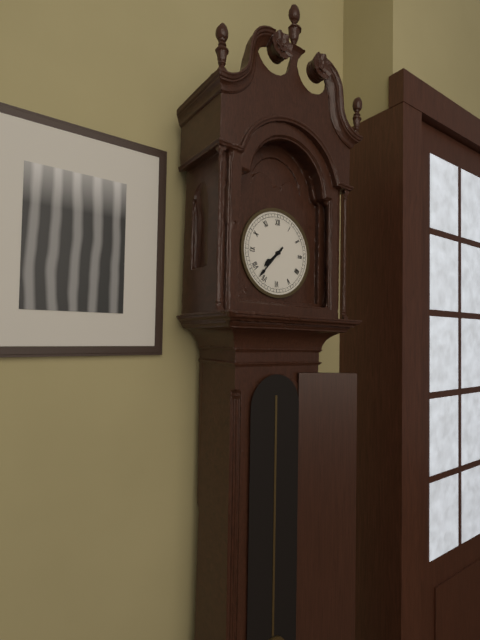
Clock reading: **7:37**
